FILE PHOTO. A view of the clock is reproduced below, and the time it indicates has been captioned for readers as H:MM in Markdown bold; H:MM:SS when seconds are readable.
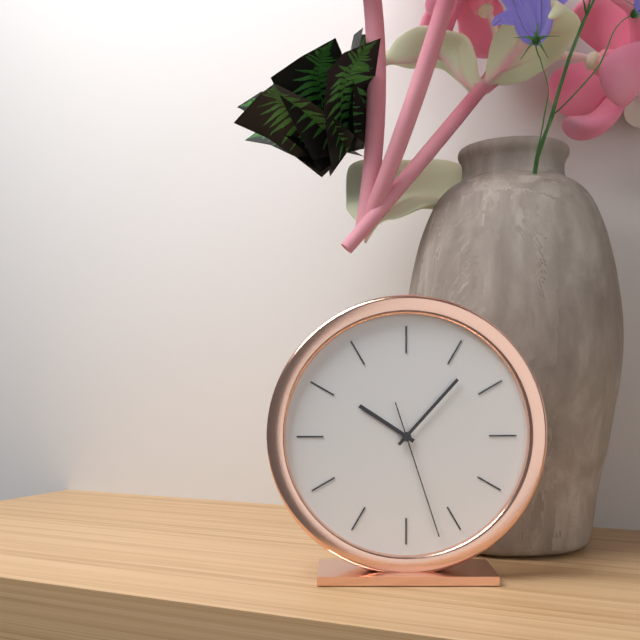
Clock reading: **10:07:27**
